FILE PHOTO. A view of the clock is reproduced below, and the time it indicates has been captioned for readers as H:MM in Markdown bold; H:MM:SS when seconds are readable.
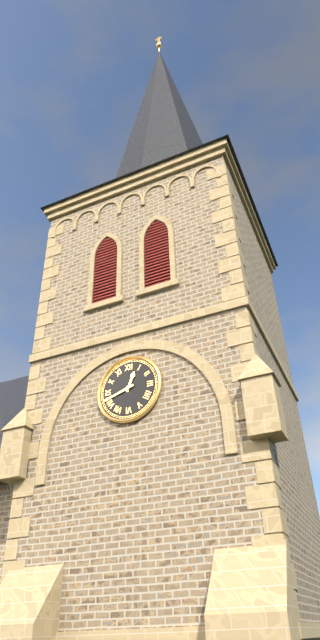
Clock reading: **12:42**
